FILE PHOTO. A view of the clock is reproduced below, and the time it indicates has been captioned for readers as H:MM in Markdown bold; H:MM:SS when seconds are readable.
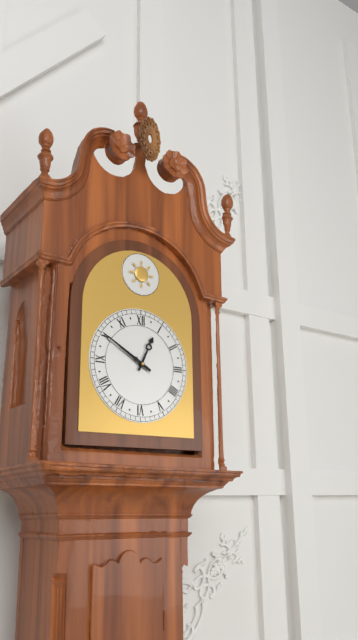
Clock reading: **12:50**
